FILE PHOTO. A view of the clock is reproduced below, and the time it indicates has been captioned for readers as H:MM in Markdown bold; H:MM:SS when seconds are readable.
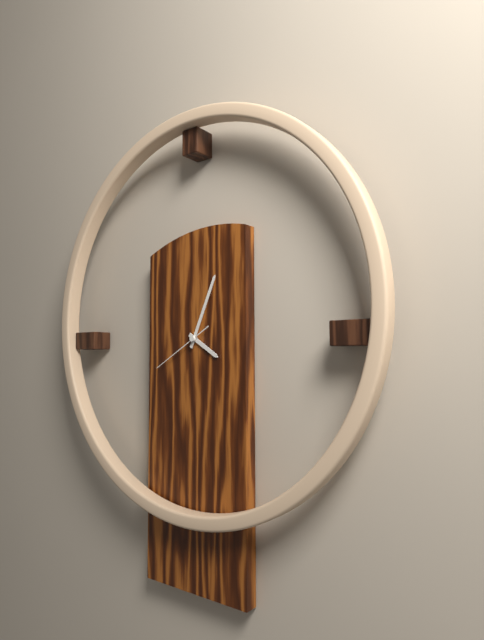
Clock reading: **4:04:40**
